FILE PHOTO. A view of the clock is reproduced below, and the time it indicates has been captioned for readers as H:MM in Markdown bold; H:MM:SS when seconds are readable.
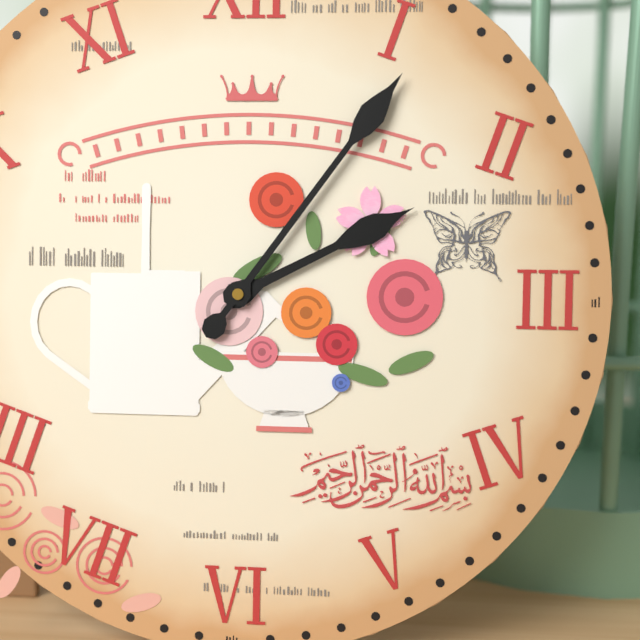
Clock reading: **2:06**
